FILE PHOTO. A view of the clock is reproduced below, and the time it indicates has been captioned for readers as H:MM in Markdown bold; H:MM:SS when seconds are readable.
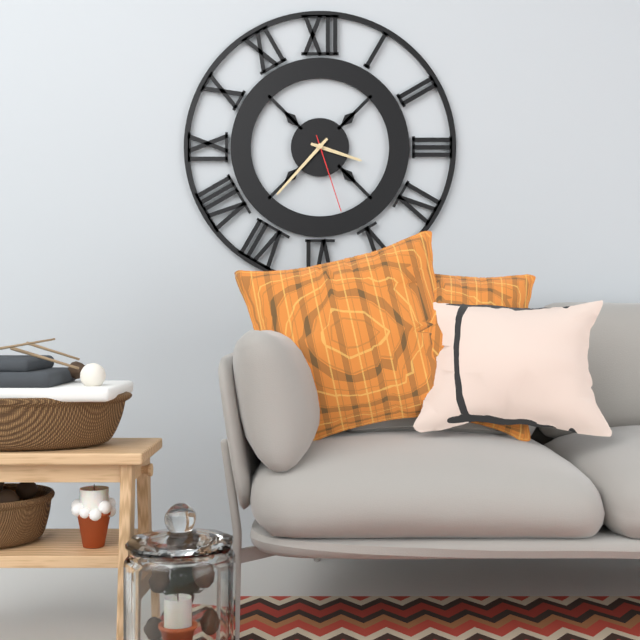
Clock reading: **3:37:27**
